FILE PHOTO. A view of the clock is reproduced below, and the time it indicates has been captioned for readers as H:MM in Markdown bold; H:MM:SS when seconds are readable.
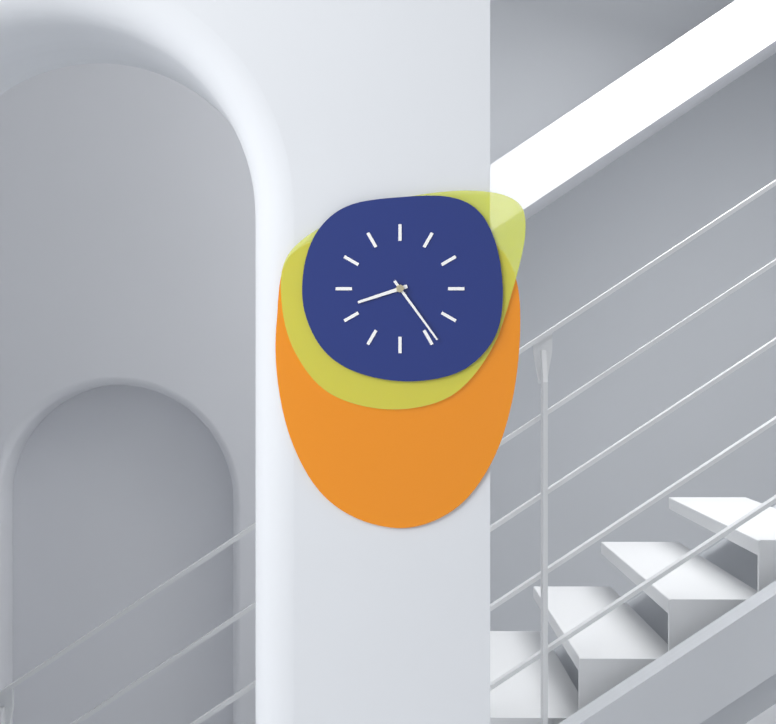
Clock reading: **8:24**
